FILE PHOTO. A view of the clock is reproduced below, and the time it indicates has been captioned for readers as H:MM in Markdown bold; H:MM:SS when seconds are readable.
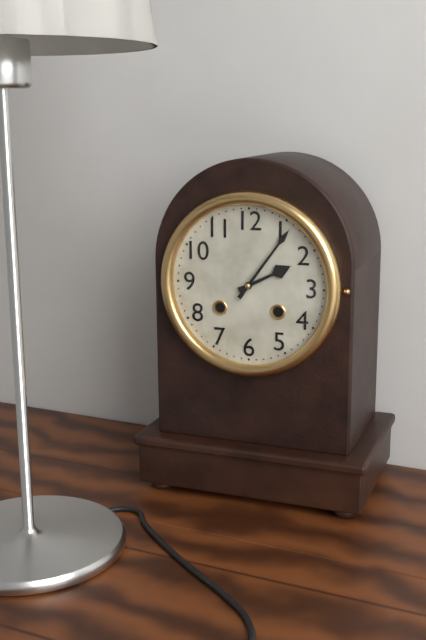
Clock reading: **2:06**
